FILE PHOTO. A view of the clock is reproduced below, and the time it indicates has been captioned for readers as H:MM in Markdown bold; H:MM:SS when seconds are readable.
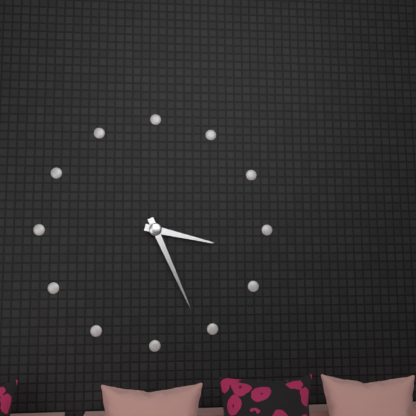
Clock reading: **3:26**
